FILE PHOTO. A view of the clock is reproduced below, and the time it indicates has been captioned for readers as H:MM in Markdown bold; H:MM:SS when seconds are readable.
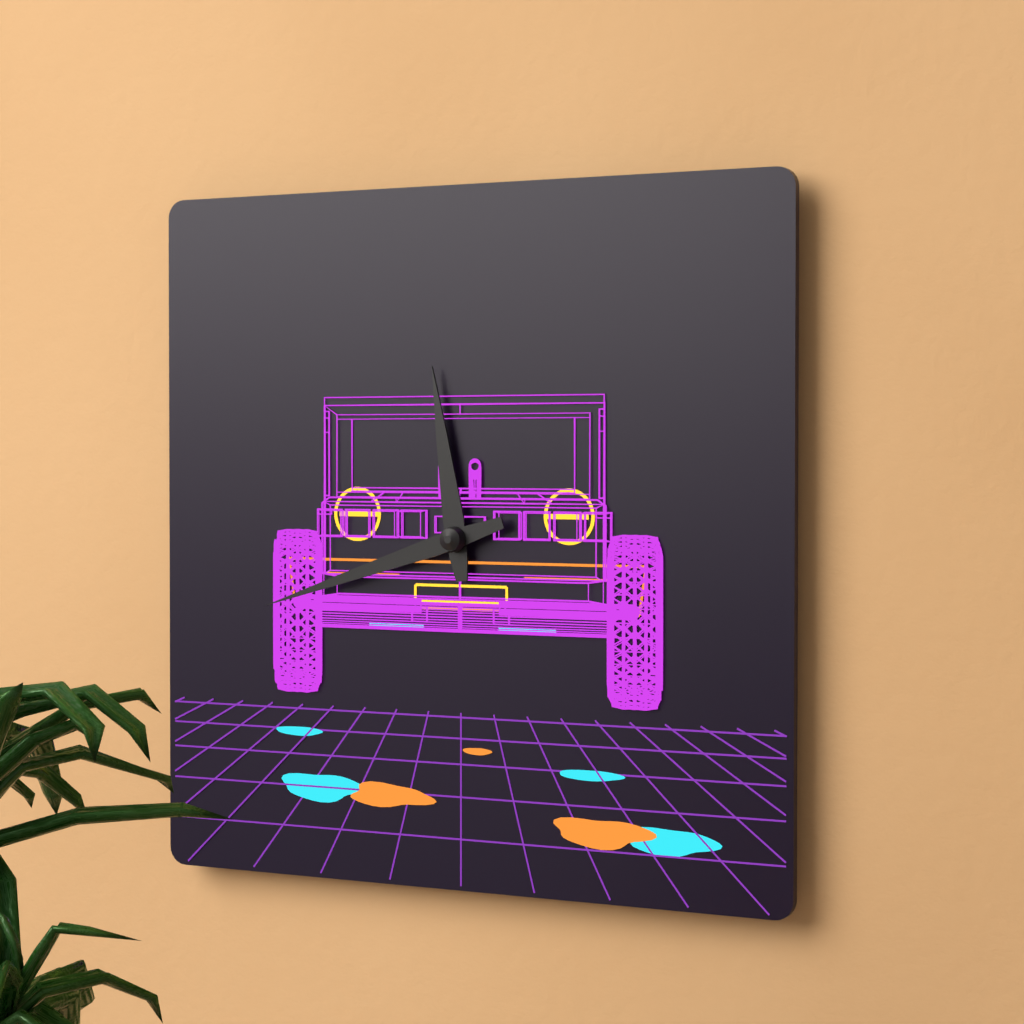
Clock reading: **11:42**
